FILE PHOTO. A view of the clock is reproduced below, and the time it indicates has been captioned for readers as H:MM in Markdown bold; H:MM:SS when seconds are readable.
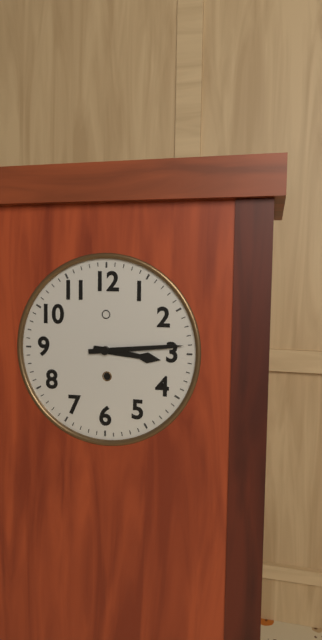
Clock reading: **3:14**
